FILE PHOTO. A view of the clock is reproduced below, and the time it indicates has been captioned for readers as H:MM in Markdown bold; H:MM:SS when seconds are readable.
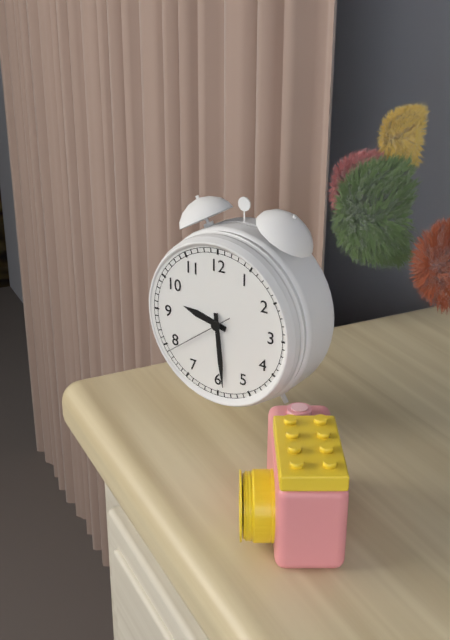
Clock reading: **9:29:39**
